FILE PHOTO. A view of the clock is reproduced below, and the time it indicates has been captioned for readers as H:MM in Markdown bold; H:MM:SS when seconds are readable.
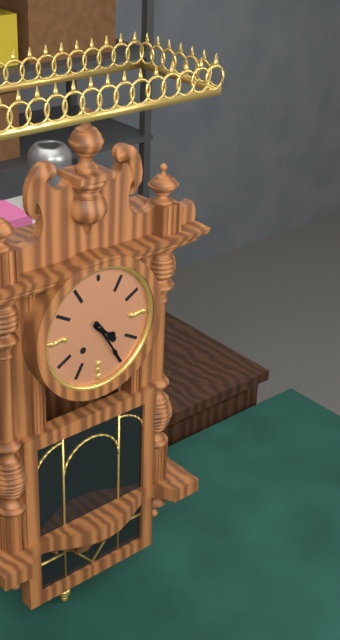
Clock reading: **4:25**
